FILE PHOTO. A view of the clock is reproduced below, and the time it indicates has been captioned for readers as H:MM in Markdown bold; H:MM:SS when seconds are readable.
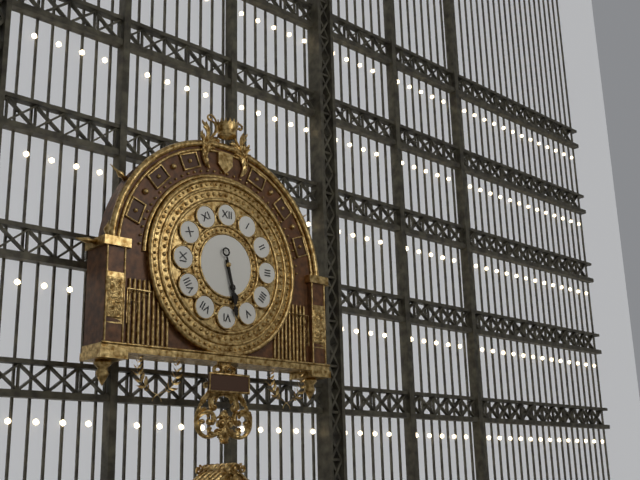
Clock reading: **5:28**
